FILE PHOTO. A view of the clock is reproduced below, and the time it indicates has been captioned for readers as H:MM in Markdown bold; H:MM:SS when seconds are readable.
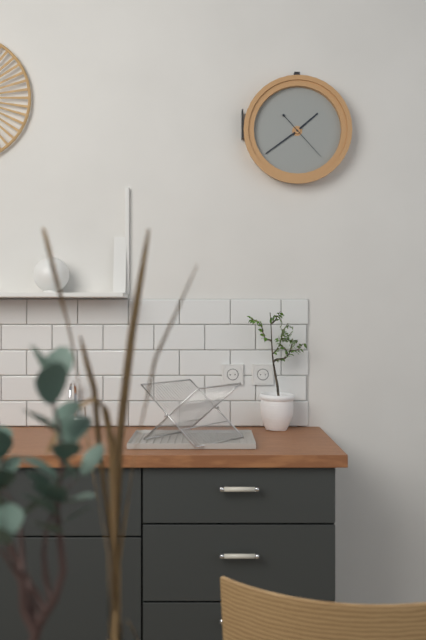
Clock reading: **1:39**
